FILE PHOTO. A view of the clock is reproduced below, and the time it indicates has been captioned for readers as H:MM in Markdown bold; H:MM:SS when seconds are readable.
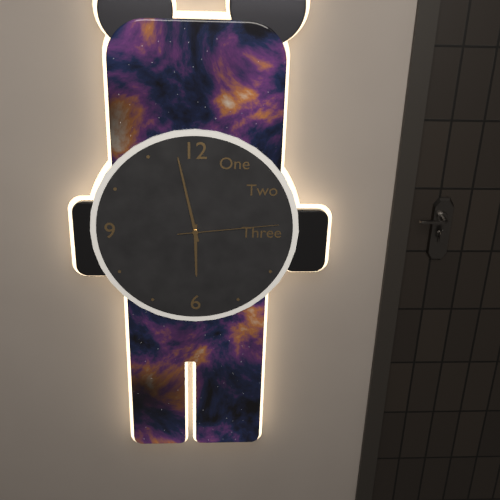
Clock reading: **5:58:14**
